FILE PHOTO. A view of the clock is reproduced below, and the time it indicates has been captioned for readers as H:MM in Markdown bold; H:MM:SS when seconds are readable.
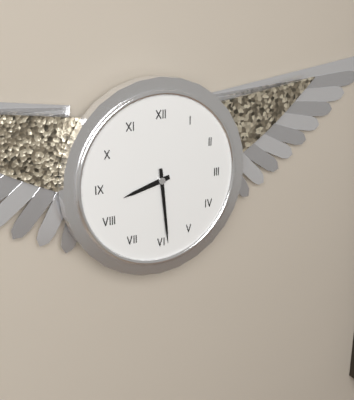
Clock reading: **8:29**
